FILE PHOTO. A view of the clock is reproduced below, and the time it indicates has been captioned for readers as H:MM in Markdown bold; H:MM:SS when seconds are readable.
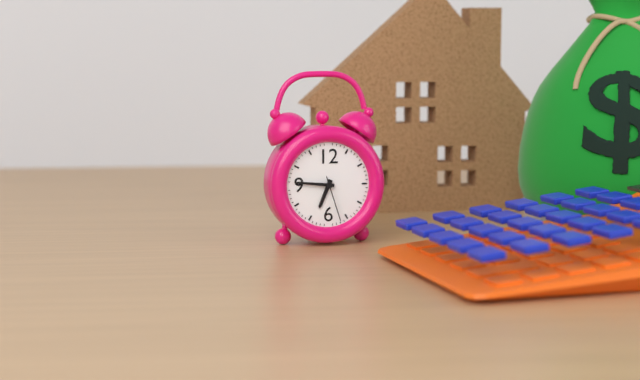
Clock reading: **6:46**
